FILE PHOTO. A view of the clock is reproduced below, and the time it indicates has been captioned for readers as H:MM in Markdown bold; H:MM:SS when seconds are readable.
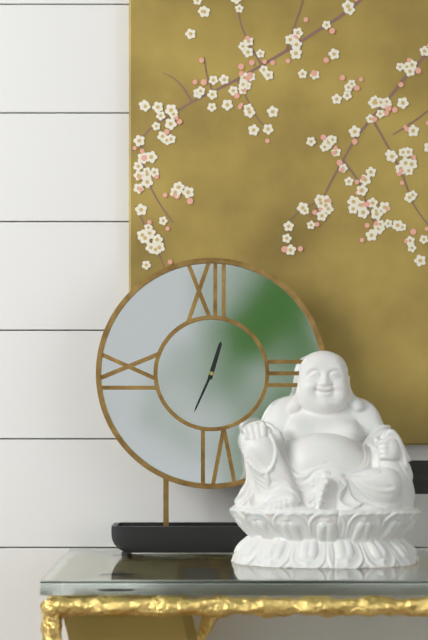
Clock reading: **12:34**
